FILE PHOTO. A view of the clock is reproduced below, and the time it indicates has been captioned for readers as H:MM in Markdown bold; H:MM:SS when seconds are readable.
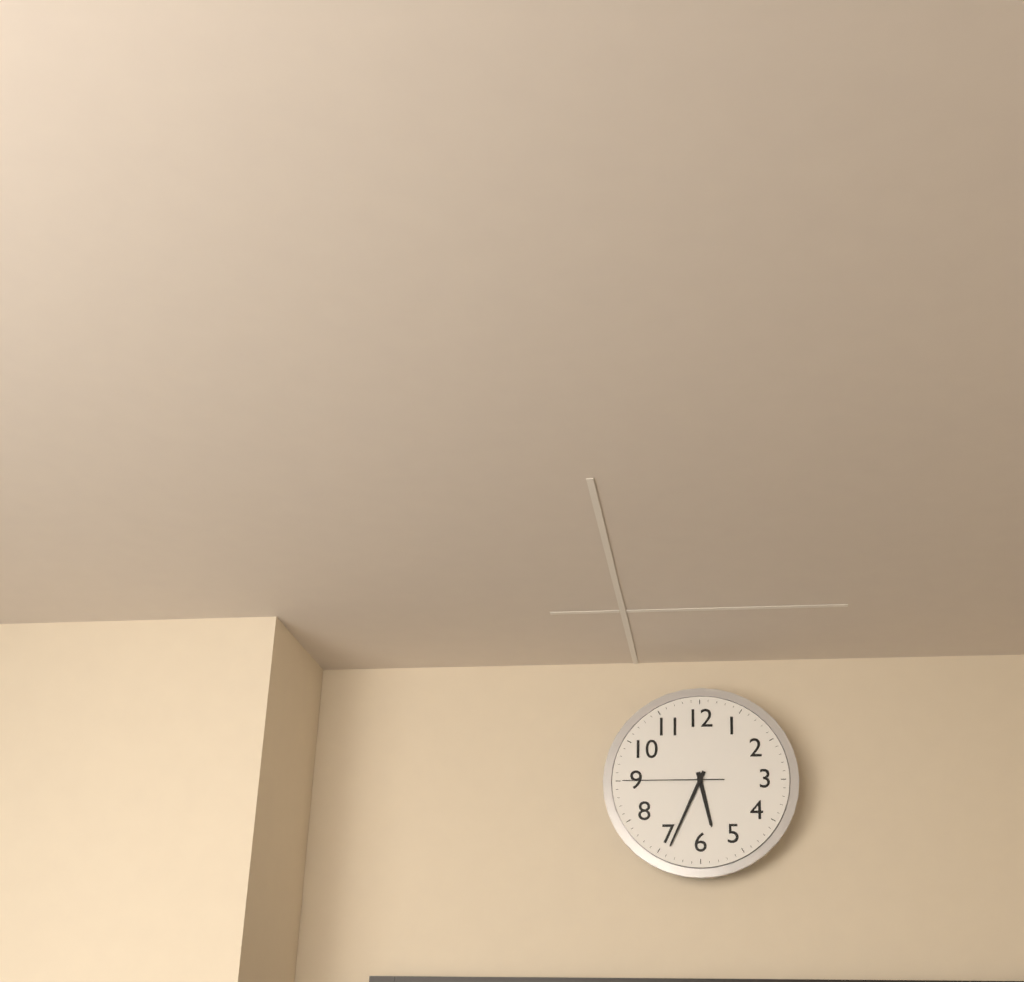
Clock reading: **5:34:45**
